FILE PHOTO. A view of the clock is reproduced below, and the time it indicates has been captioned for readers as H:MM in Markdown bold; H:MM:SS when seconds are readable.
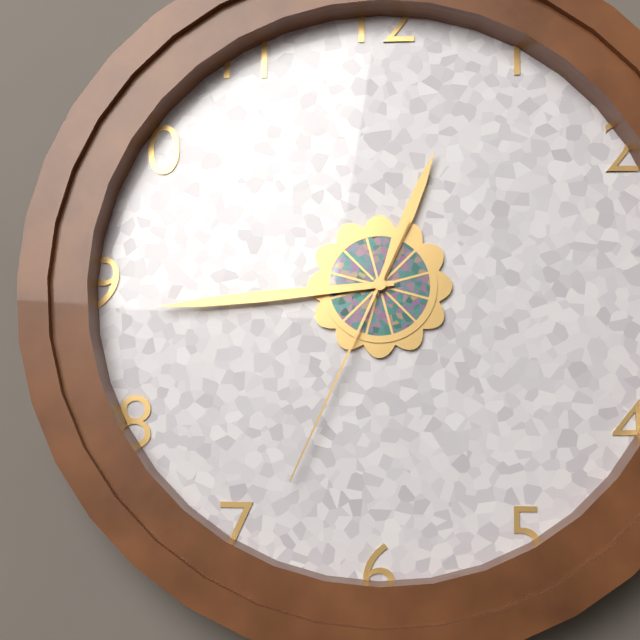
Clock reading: **12:44:34**
